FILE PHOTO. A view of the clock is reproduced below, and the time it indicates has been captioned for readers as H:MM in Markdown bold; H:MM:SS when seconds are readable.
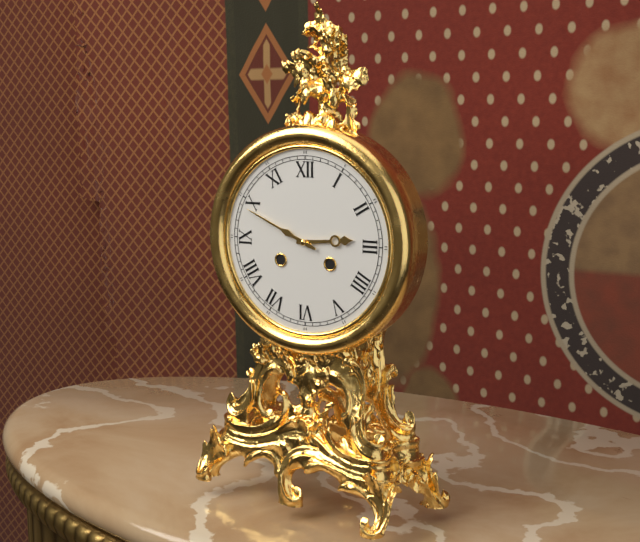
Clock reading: **2:49**
